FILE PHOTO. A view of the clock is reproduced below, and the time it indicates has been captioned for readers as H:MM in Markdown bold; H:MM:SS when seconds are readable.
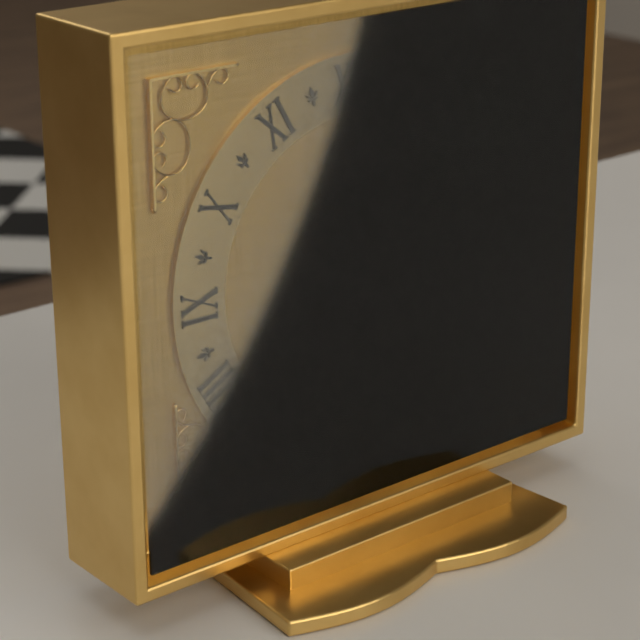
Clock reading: **4:40**
